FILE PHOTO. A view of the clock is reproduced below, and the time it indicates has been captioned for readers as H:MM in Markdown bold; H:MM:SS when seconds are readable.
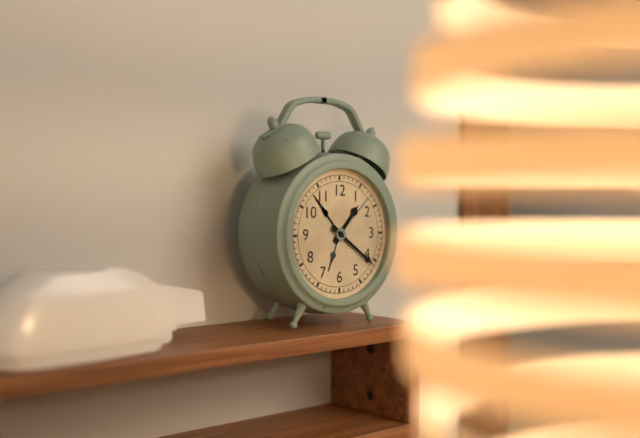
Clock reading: **1:21**
